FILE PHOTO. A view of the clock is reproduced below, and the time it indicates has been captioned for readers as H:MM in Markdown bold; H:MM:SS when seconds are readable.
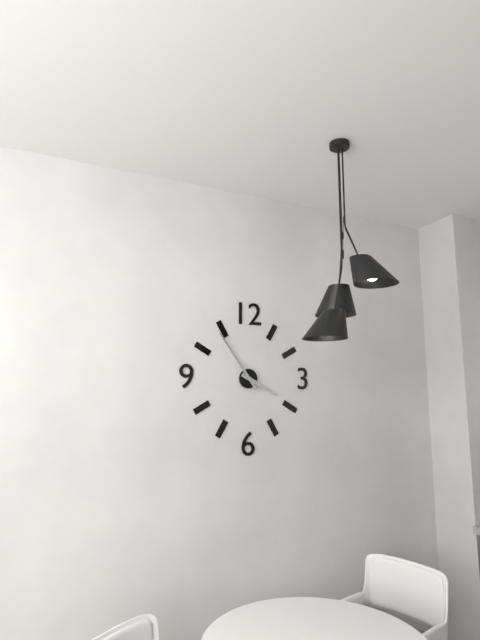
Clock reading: **3:54**
